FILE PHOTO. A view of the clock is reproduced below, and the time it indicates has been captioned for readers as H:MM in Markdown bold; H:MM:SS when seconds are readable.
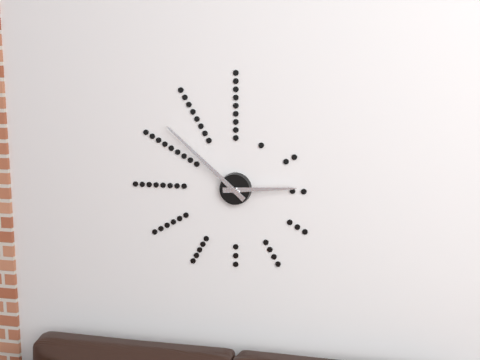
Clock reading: **2:52**
